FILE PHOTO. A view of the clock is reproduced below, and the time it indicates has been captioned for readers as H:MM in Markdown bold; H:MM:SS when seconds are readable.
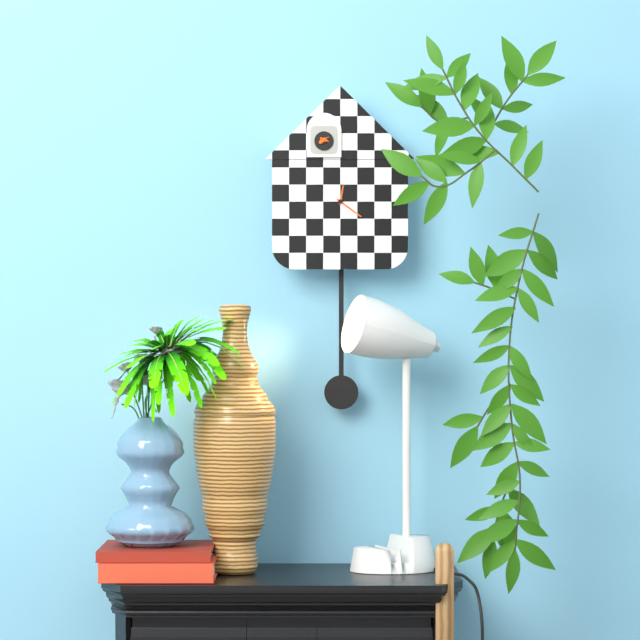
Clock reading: **12:21**
